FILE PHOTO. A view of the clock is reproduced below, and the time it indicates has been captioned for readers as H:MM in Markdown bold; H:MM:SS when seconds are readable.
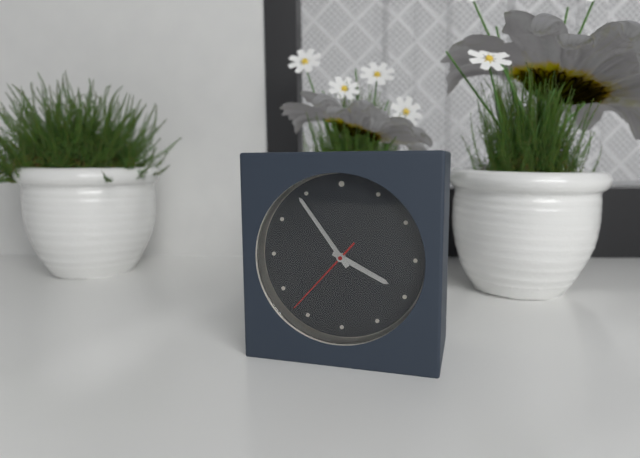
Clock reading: **3:54:37**
